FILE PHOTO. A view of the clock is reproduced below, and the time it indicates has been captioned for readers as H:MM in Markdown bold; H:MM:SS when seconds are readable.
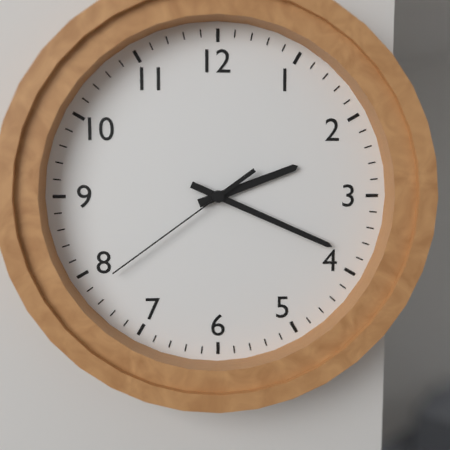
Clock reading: **2:19:39**
